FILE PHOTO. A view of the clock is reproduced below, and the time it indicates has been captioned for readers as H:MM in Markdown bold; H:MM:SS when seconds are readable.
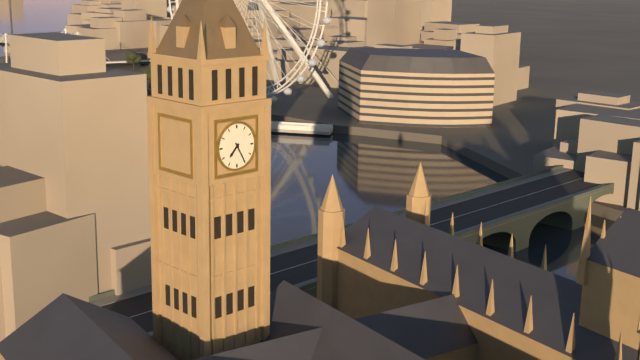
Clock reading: **7:25**
